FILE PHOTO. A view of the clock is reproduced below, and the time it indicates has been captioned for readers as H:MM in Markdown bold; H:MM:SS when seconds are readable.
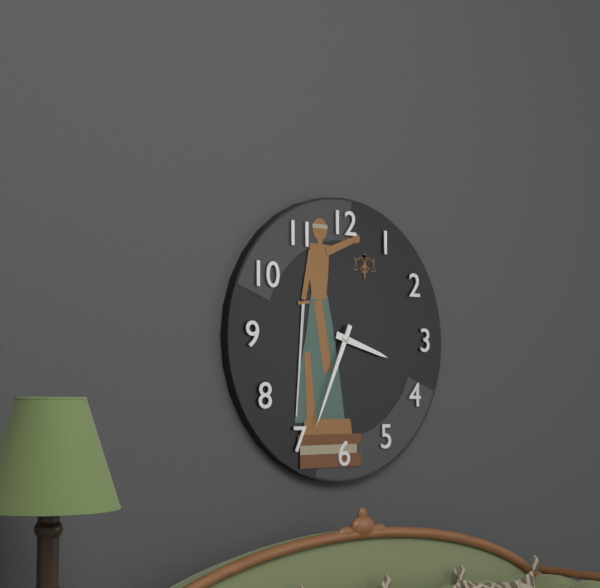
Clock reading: **3:34**
